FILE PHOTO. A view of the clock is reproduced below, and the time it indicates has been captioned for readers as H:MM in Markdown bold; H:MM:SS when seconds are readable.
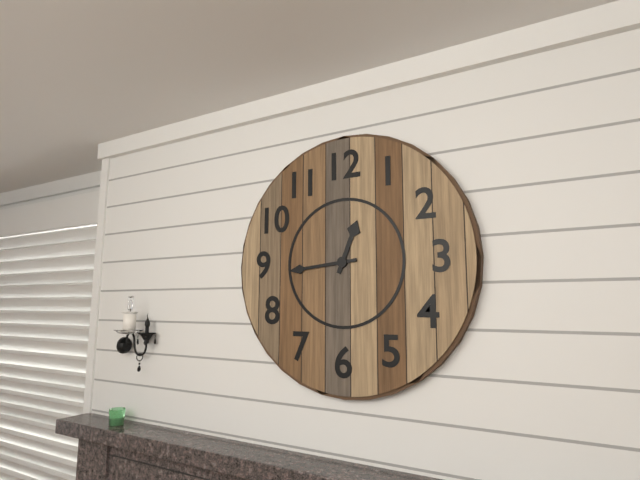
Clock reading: **12:44**
